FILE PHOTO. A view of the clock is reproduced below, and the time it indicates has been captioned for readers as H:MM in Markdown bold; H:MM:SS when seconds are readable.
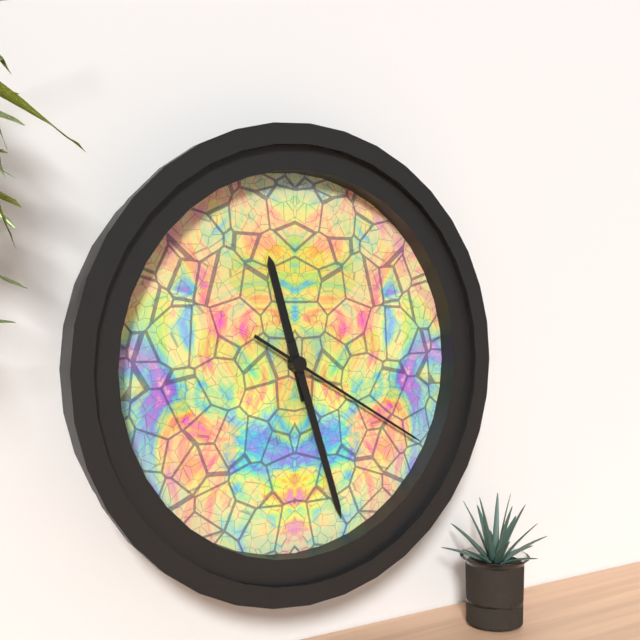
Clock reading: **11:27:20**
